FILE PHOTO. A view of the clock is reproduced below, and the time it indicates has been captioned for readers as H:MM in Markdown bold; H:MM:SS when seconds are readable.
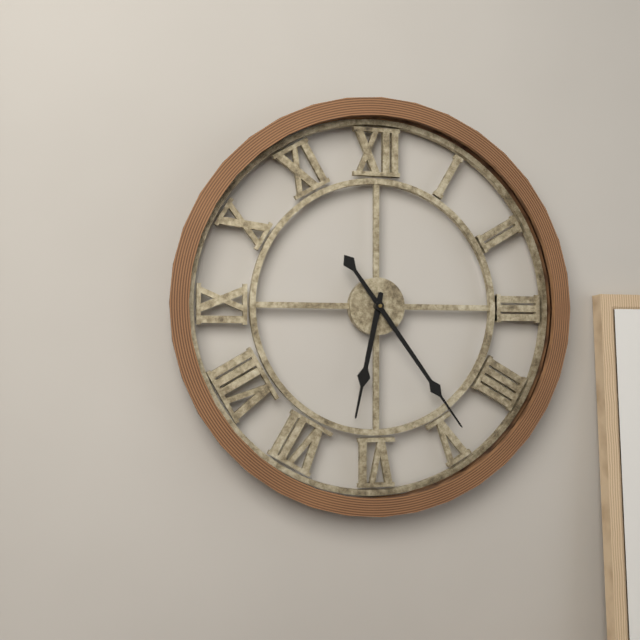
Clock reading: **6:24**
